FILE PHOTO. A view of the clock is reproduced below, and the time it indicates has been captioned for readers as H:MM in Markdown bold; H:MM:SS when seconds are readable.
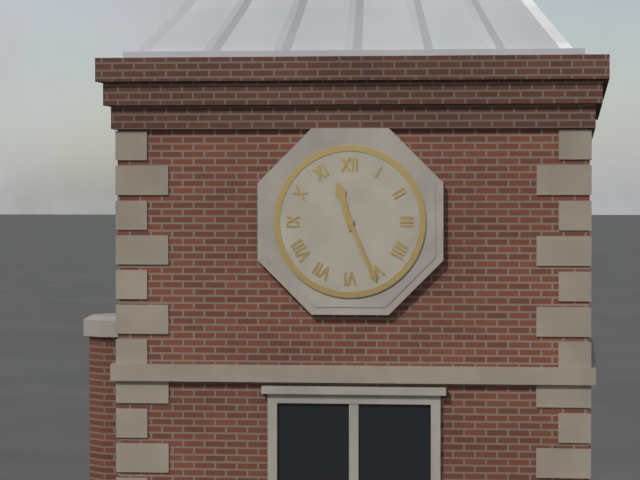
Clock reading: **11:26**
